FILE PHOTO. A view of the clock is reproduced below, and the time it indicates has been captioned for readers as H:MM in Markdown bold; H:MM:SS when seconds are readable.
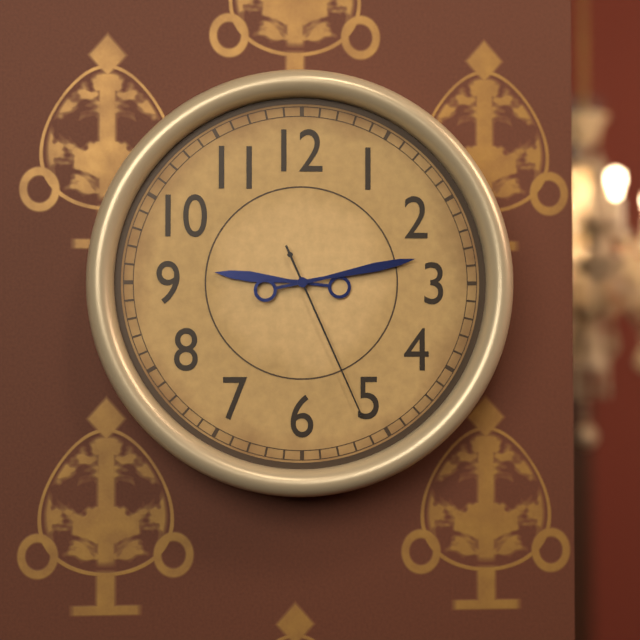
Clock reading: **9:13:26**
